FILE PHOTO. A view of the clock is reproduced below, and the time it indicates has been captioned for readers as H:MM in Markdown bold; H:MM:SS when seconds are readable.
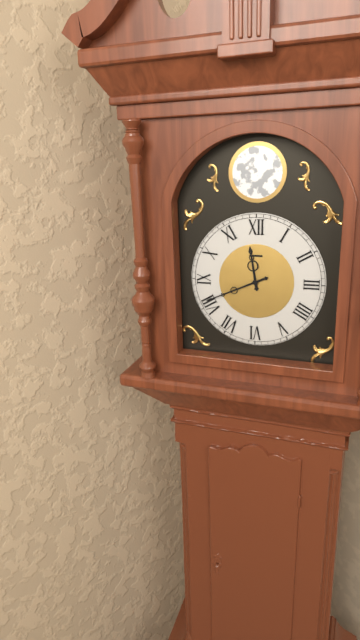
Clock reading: **11:41**
